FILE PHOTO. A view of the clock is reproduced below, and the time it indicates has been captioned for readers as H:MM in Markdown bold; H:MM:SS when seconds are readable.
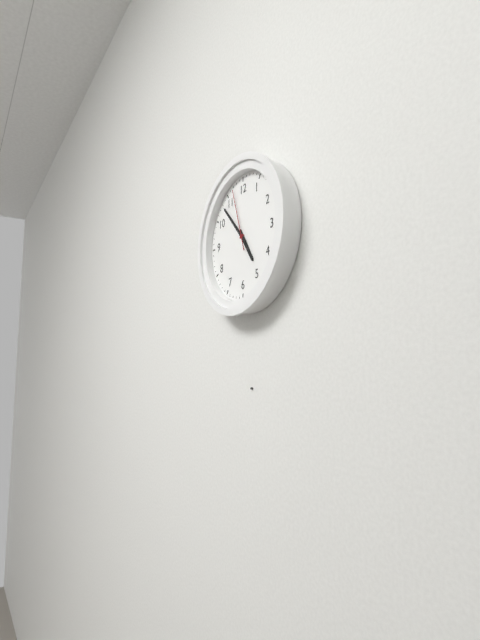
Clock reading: **4:53:57**
